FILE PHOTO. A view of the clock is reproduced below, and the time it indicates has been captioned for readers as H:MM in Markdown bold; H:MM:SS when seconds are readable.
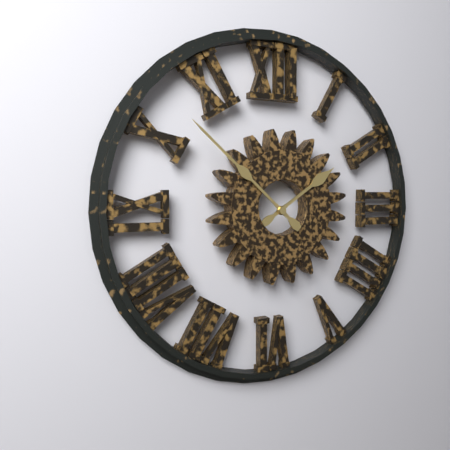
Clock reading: **1:52**
